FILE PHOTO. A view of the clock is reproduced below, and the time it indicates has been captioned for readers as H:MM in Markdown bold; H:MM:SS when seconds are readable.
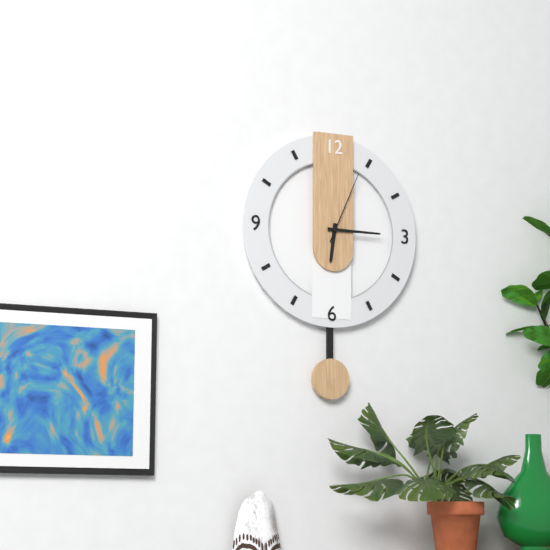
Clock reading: **6:15:04**
